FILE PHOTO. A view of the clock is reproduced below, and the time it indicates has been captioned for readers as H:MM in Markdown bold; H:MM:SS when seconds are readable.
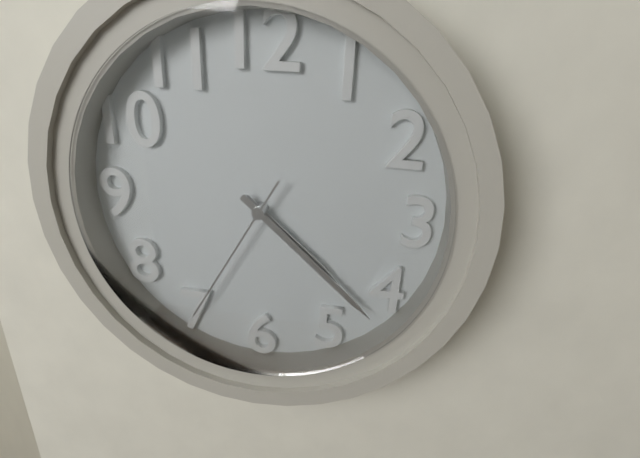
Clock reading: **4:22:35**
